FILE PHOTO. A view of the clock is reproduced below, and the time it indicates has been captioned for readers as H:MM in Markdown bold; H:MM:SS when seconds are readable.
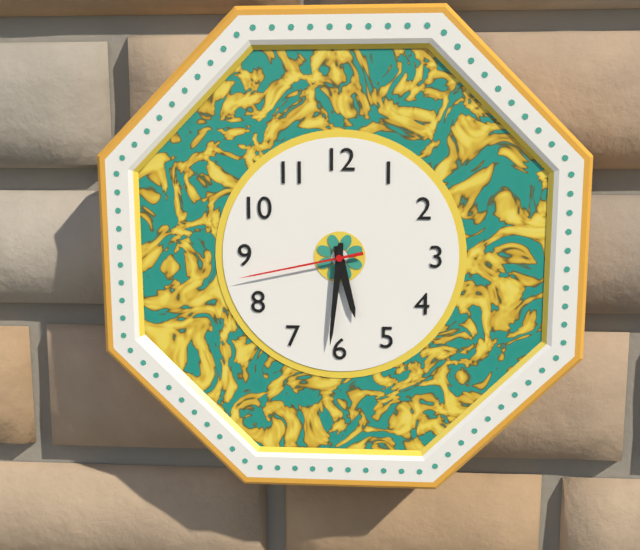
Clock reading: **5:31:43**
